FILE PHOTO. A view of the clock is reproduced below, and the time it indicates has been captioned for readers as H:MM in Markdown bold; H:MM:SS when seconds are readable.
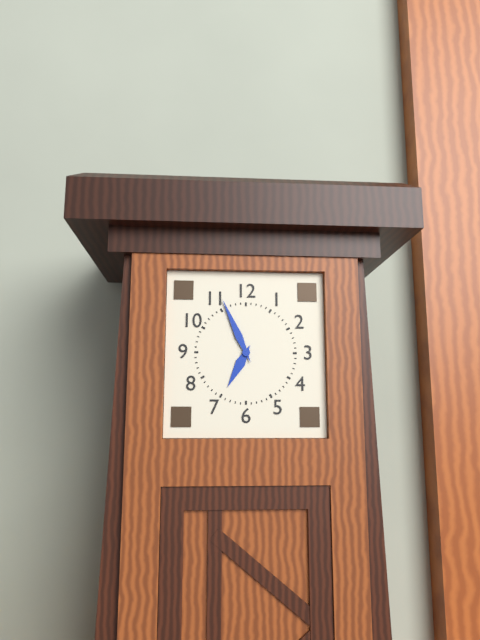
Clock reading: **6:56**
